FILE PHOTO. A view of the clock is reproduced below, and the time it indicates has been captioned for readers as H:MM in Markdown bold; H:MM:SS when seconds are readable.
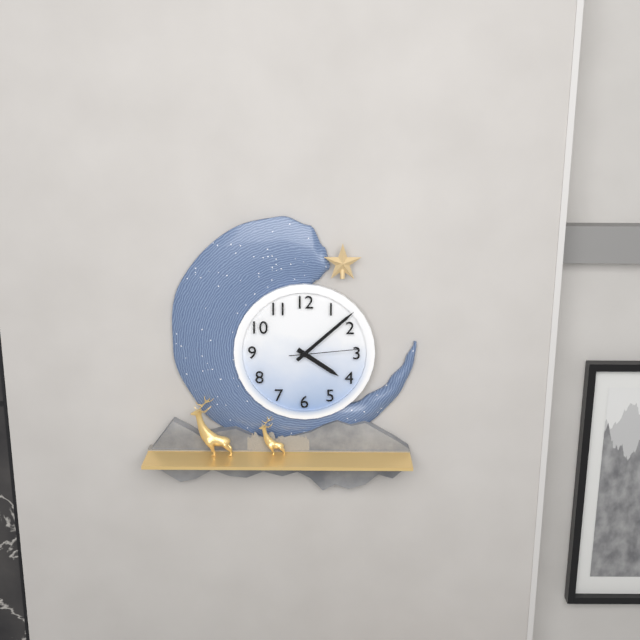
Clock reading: **4:08:14**
